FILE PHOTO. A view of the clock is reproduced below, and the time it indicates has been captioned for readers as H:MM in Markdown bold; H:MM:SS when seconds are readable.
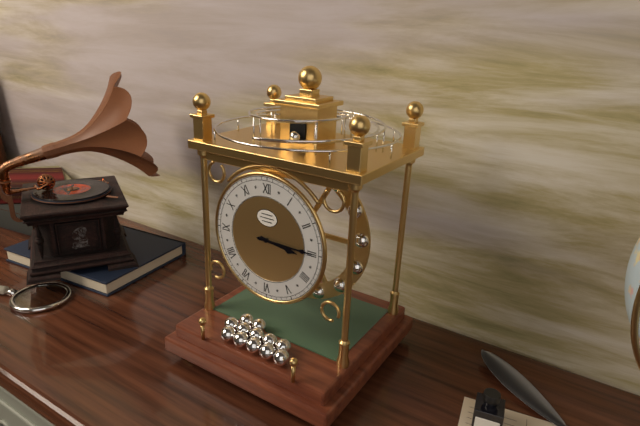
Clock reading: **3:15**
